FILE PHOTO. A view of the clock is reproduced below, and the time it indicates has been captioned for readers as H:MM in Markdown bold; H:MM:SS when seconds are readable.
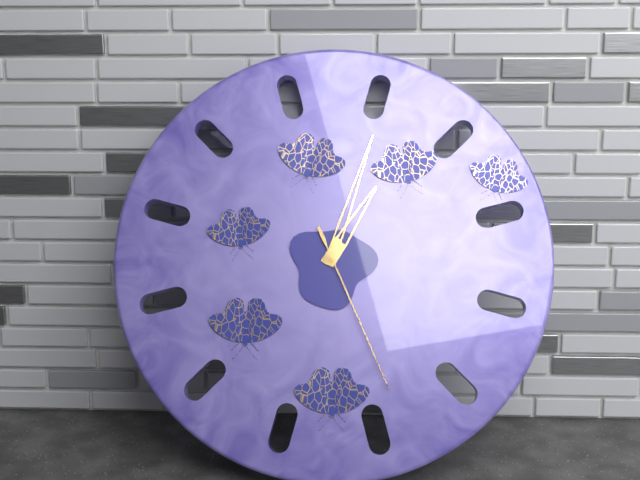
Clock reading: **1:03:26**
